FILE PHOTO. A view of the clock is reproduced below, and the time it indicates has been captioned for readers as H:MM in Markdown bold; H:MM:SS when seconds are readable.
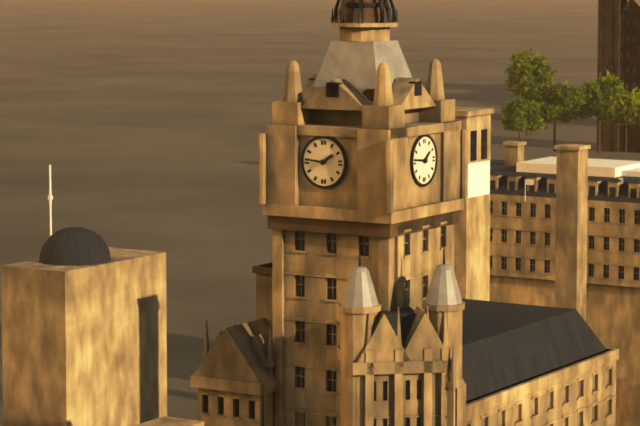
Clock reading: **1:46**
